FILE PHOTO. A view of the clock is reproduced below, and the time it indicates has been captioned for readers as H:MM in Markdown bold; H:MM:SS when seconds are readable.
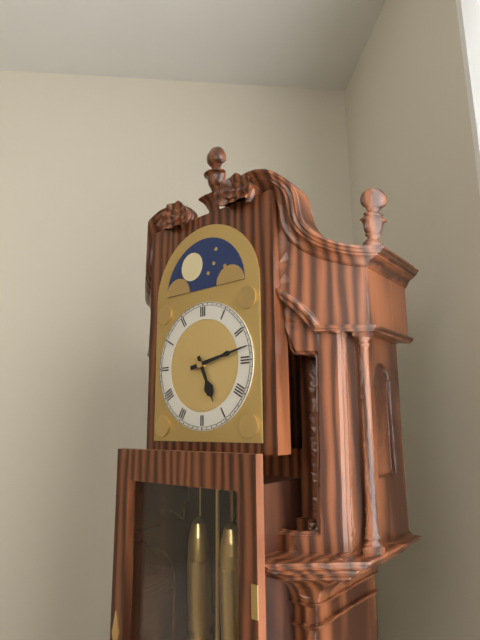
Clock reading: **5:13**
